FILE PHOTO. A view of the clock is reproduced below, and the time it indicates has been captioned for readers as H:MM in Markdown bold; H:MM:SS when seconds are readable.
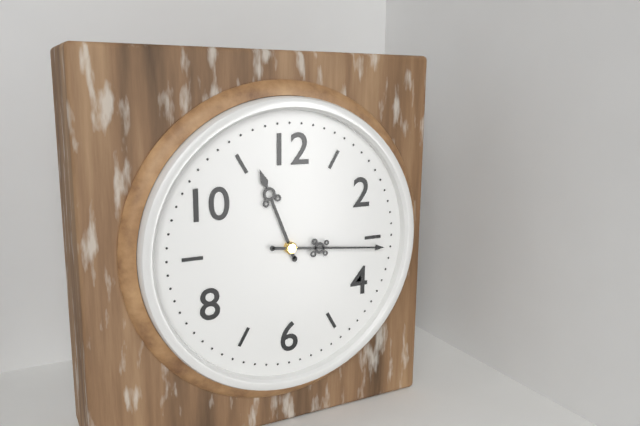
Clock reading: **11:16**
